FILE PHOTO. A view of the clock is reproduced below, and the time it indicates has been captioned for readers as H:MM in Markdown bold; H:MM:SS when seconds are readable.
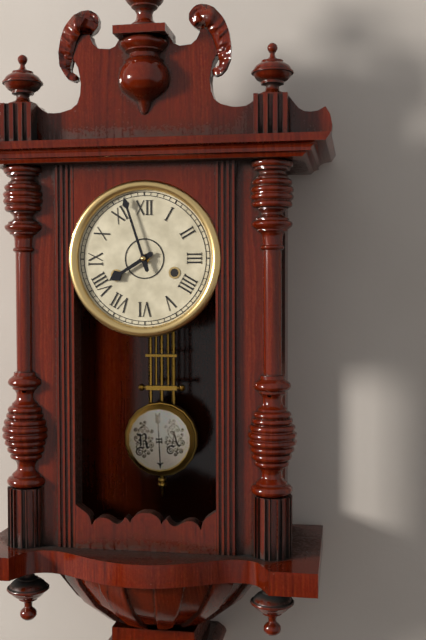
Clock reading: **7:57**
